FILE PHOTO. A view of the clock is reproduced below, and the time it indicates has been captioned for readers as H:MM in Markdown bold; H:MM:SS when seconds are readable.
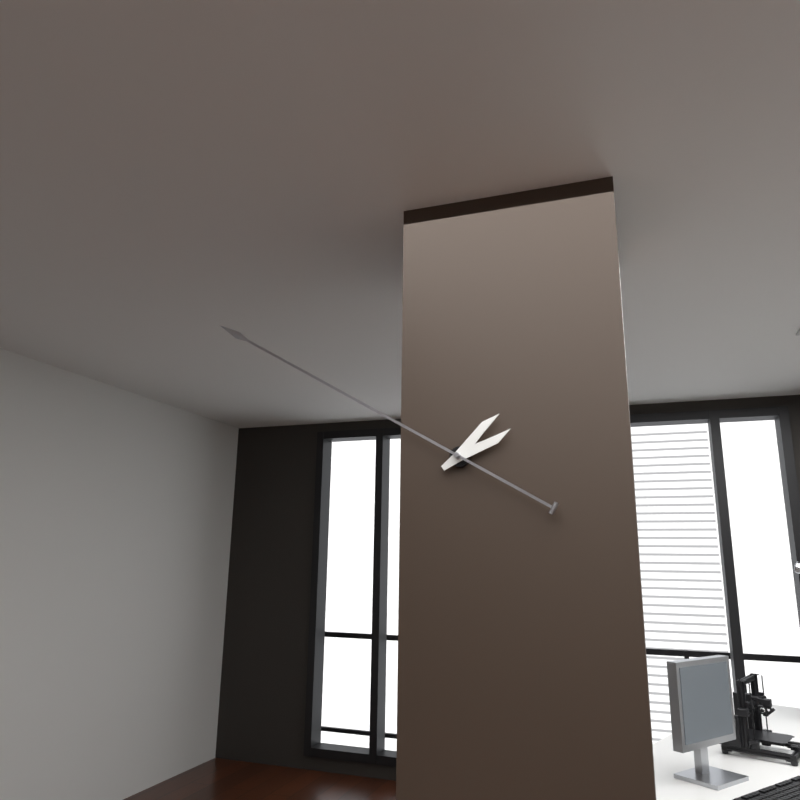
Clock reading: **1:50**
